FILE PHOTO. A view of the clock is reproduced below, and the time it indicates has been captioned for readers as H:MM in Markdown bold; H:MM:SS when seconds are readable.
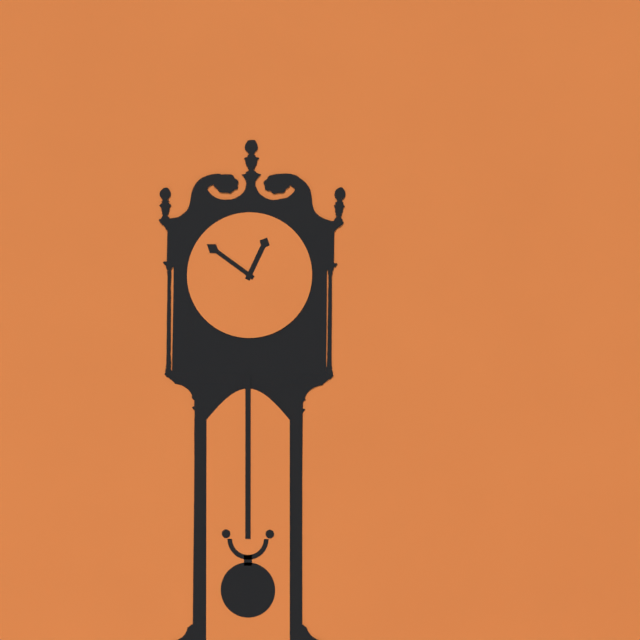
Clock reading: **12:51**
